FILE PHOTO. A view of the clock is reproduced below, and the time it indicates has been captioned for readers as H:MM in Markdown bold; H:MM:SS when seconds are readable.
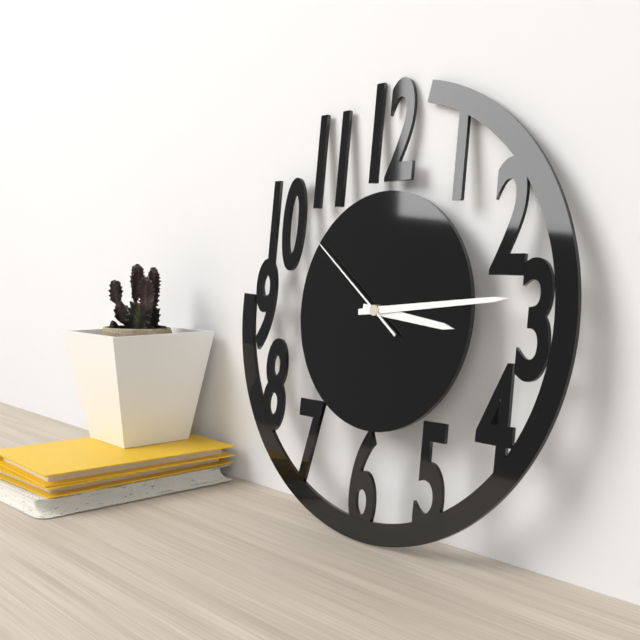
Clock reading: **3:14:51**
